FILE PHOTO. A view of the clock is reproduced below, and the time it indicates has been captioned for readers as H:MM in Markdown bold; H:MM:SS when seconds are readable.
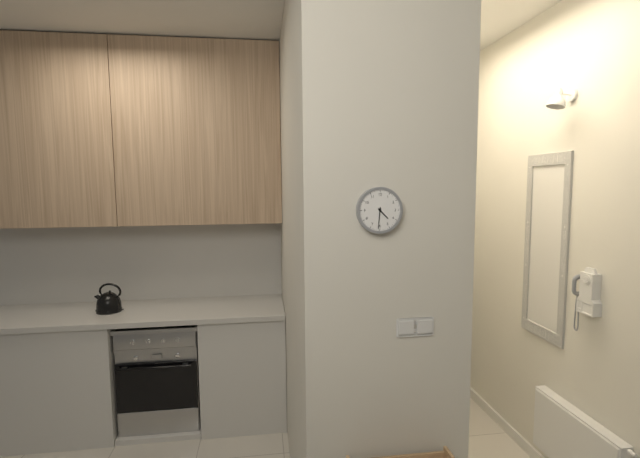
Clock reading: **4:31**
